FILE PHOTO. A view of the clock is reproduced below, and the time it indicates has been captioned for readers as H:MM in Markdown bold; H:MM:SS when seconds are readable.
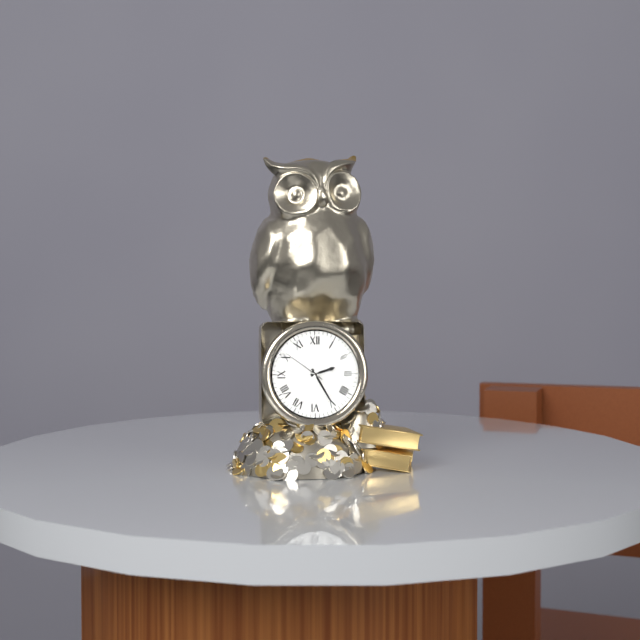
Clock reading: **2:25**
